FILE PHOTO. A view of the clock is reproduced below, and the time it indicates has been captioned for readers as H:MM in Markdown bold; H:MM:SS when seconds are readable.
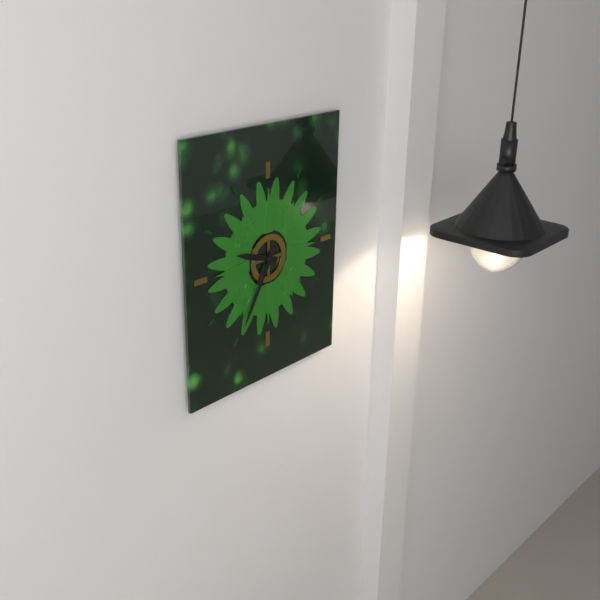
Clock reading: **9:35**
